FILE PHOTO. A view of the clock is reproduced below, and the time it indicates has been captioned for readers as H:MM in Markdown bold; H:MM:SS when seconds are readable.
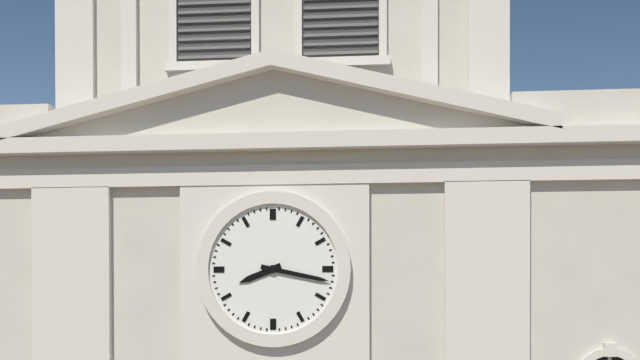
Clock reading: **8:17**
